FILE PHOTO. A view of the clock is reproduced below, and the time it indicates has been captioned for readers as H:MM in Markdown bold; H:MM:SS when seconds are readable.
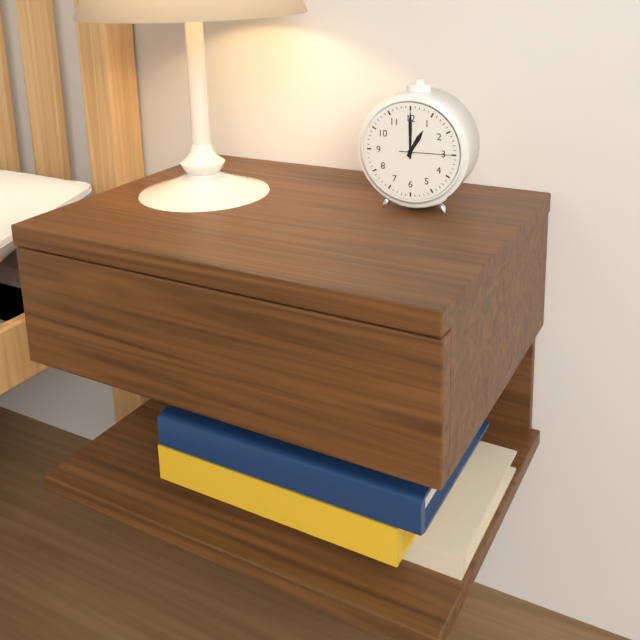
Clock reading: **1:00:15**
